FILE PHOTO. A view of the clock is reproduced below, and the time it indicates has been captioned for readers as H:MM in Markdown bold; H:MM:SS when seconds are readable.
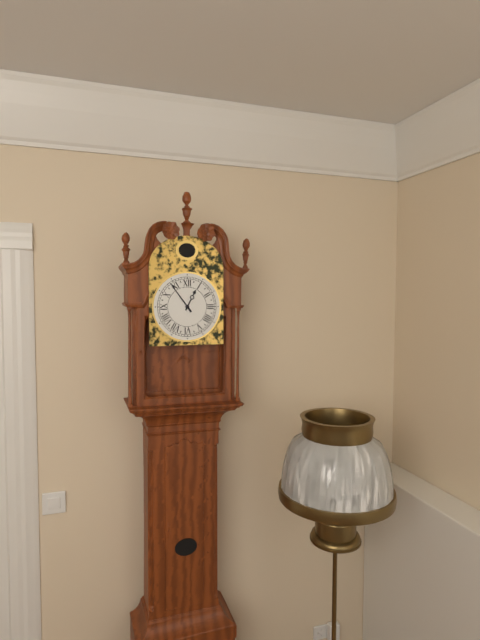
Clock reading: **12:54**
